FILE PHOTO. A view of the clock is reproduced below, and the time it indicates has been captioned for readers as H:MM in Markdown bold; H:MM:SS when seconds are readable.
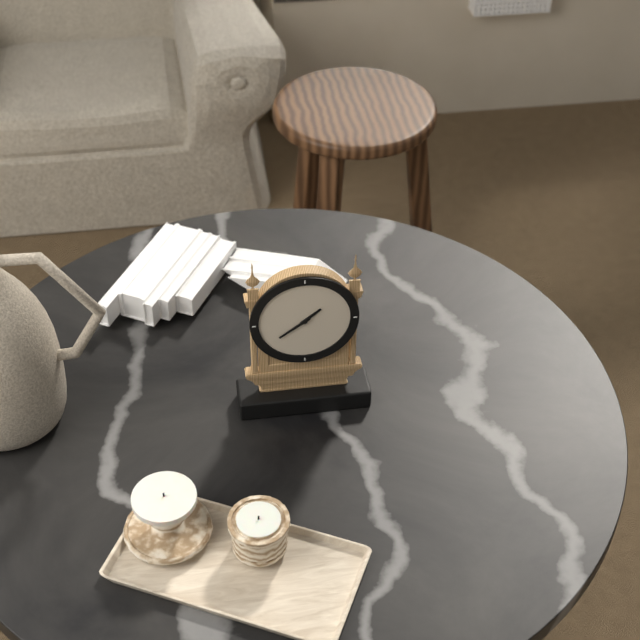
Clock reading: **1:39**
